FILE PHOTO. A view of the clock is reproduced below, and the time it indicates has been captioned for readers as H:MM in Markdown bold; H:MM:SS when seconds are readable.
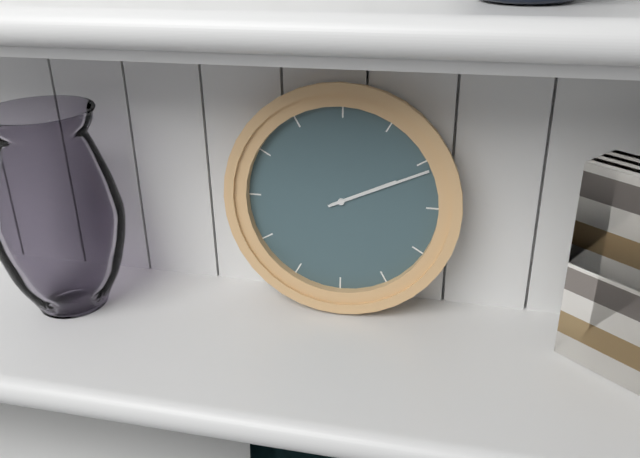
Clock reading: **2:11**
